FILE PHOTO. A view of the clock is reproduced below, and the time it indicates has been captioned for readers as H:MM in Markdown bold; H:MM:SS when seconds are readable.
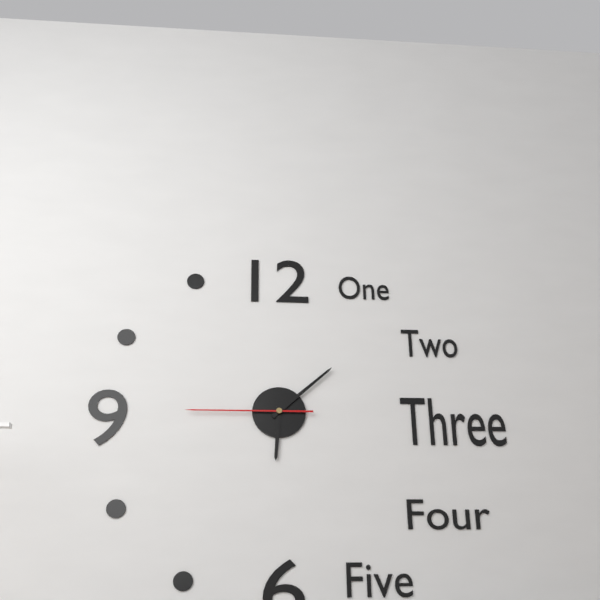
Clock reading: **6:08:45**
